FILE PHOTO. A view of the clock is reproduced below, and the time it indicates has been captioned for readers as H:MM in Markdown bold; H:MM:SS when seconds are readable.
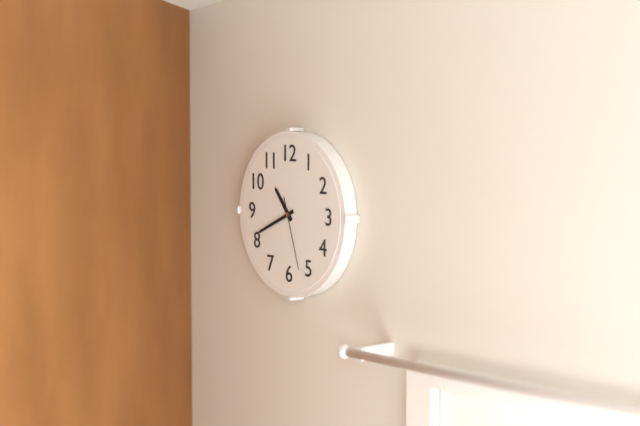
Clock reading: **10:41:27**
